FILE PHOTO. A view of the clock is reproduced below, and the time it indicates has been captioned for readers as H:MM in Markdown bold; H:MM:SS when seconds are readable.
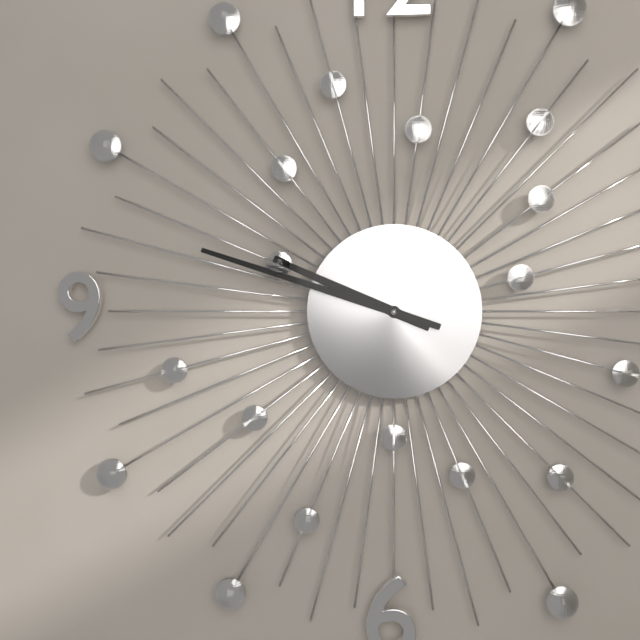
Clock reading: **9:48**
